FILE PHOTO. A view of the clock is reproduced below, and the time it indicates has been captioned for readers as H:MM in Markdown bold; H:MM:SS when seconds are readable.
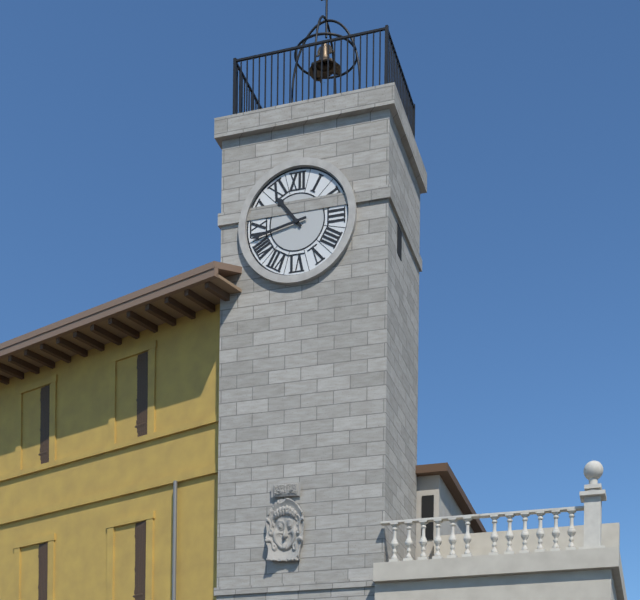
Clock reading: **10:43**
